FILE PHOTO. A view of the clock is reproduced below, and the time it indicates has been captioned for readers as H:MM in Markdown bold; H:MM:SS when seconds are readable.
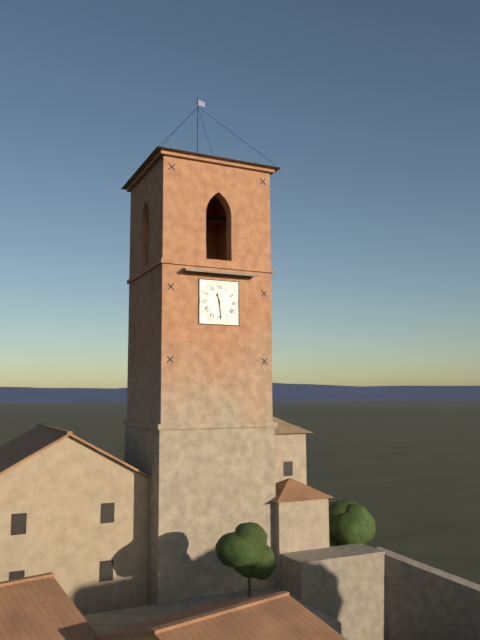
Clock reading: **11:29**
